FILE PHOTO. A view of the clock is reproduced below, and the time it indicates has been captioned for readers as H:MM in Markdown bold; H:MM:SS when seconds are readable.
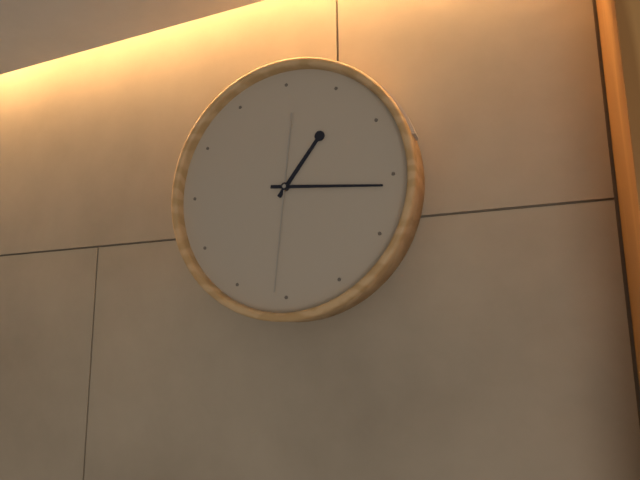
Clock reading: **1:16:31**
